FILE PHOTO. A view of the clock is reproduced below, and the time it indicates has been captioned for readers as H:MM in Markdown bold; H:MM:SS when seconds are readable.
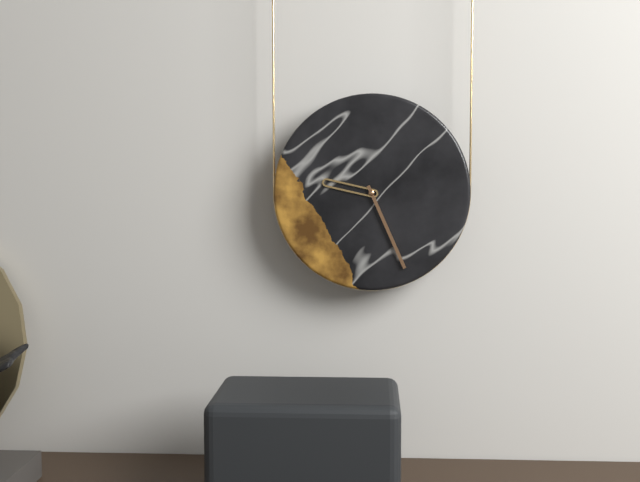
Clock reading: **9:26**
